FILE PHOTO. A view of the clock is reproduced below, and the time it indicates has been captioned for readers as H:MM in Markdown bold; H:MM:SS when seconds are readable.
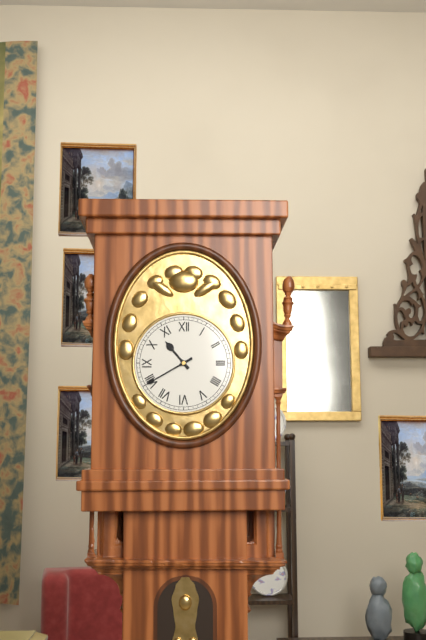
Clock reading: **10:40**
